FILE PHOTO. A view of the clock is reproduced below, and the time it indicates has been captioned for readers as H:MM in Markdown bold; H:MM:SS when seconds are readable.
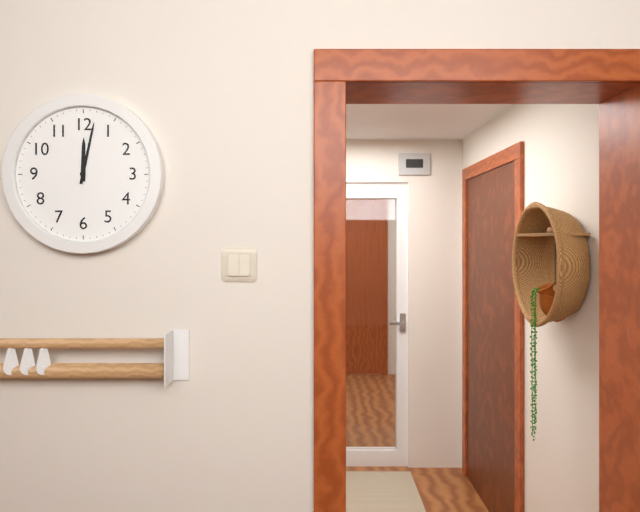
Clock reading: **12:02**
